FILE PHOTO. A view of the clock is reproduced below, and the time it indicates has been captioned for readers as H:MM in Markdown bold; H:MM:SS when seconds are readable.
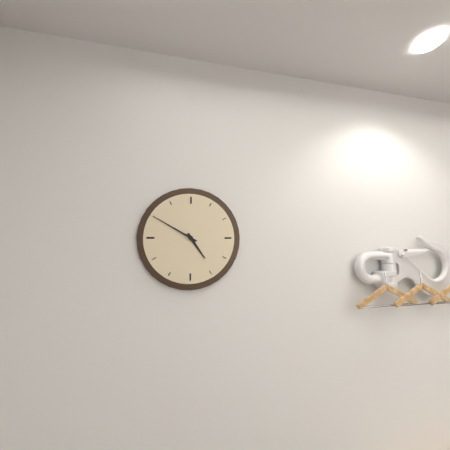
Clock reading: **4:50**
